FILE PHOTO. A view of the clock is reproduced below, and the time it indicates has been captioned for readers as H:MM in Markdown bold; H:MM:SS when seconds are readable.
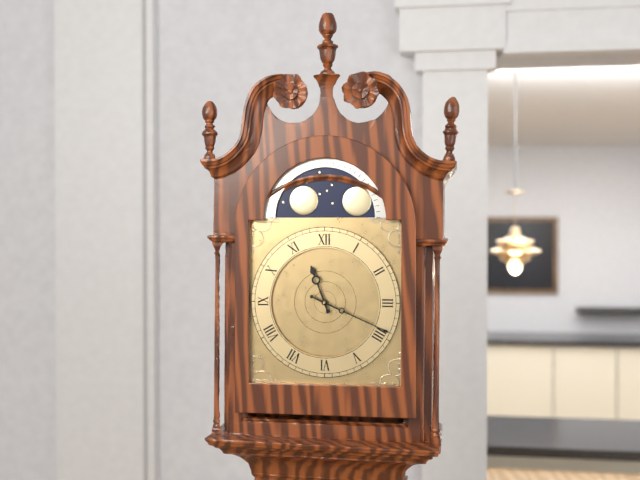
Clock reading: **11:19**
